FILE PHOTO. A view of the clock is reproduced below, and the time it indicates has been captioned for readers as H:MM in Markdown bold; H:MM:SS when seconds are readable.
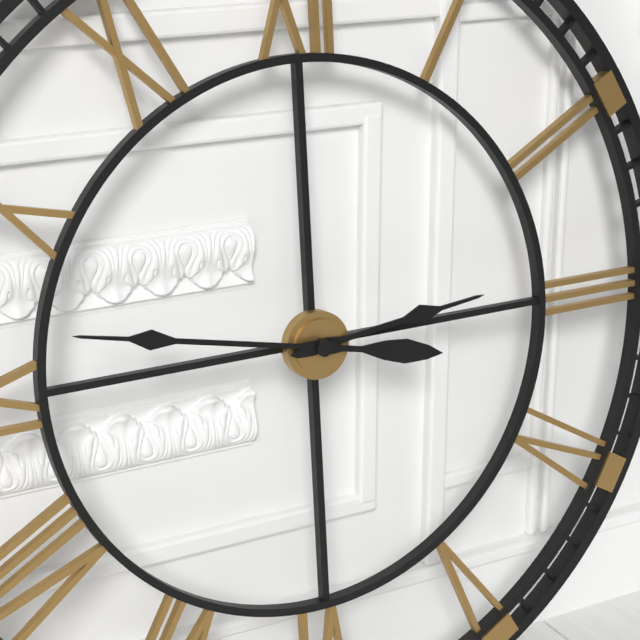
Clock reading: **2:47**
